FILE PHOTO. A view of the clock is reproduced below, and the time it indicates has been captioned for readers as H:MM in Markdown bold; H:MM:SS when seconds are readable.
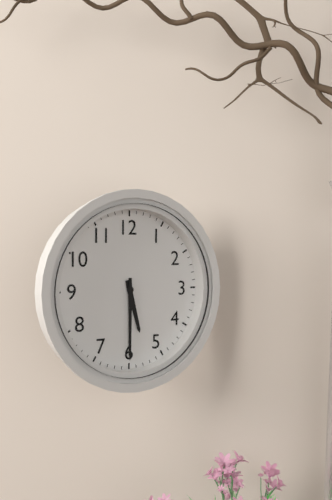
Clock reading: **5:30**
